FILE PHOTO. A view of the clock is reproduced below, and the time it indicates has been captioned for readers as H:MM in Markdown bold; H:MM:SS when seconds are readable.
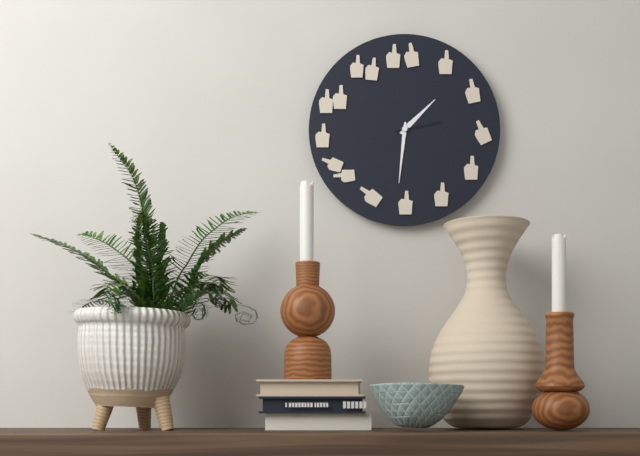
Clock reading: **1:31**
